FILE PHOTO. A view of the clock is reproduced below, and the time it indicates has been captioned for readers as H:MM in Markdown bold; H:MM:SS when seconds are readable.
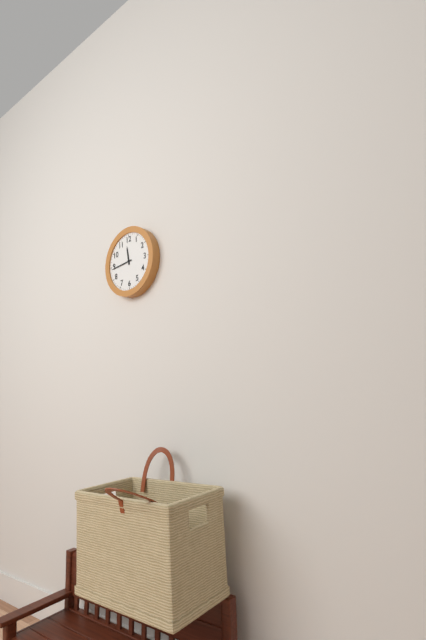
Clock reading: **11:44**
